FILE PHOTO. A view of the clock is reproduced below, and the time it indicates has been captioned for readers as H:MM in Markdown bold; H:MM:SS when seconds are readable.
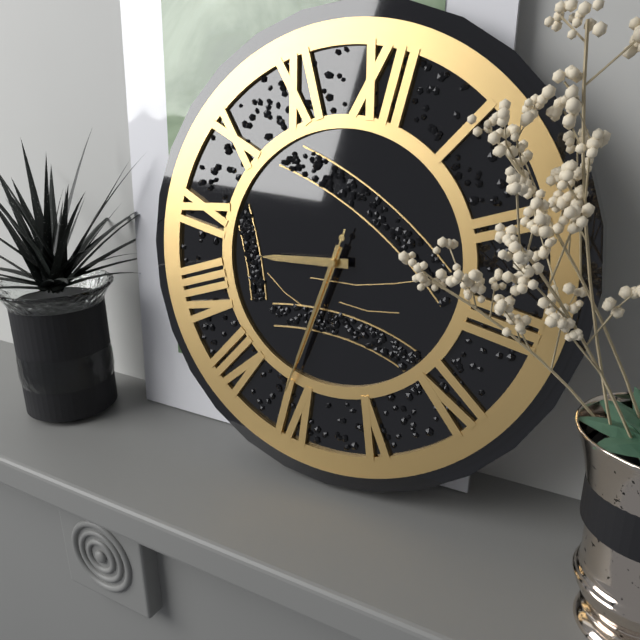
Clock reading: **8:31:31**
